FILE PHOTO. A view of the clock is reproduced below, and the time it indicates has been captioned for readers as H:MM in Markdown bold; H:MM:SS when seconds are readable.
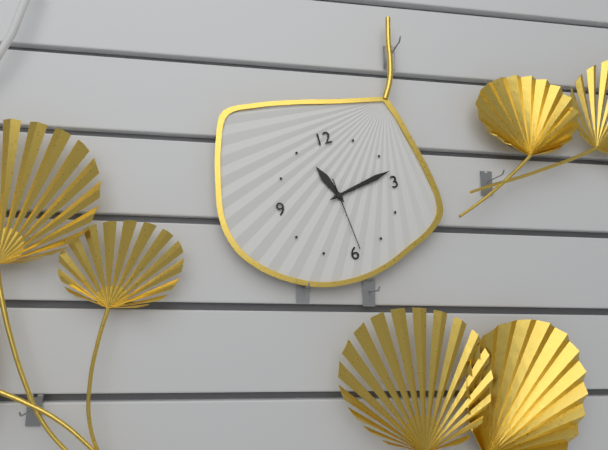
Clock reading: **11:13:29**
